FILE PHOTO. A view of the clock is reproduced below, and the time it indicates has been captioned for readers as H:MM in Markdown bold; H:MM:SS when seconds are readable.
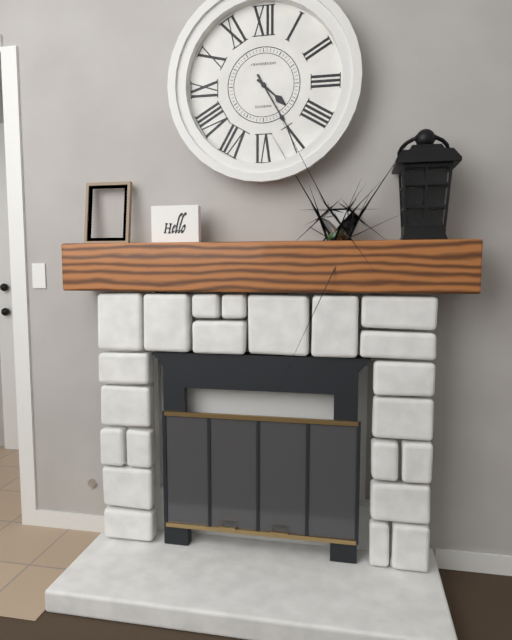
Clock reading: **4:25**
